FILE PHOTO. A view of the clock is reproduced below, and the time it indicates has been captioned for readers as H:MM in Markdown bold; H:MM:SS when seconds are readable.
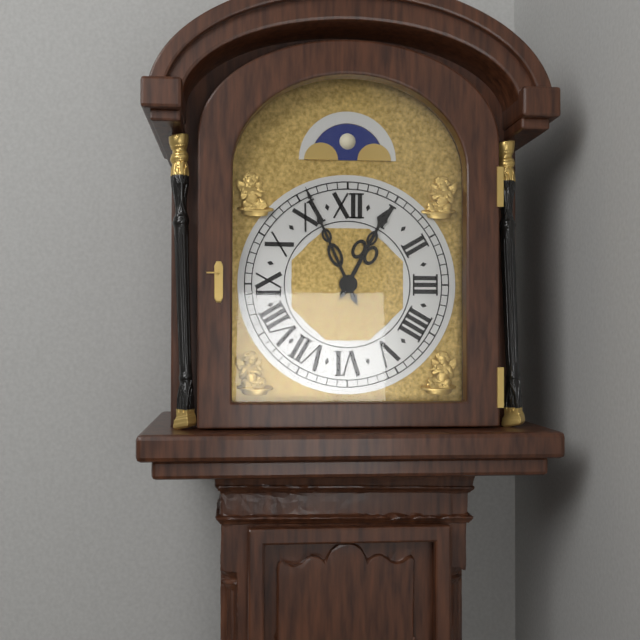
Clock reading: **12:56**
